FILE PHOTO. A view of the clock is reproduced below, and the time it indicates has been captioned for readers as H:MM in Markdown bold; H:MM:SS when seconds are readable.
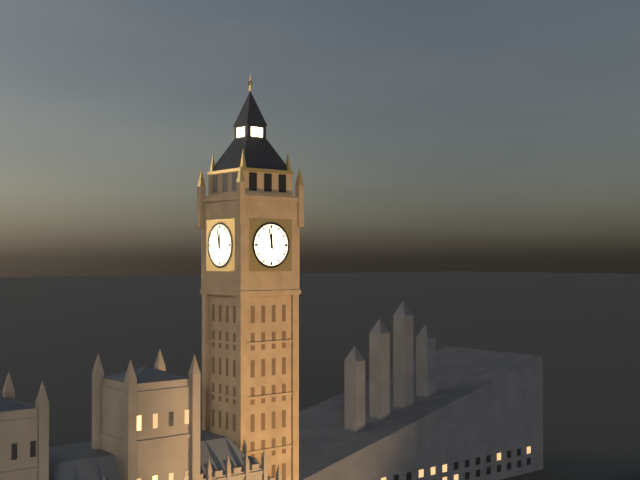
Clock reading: **11:58**
